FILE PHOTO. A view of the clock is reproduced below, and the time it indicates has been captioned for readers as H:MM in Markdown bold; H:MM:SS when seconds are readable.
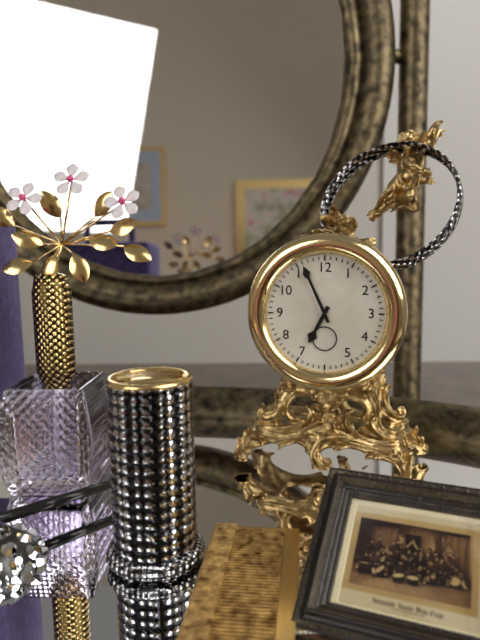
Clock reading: **6:56**
